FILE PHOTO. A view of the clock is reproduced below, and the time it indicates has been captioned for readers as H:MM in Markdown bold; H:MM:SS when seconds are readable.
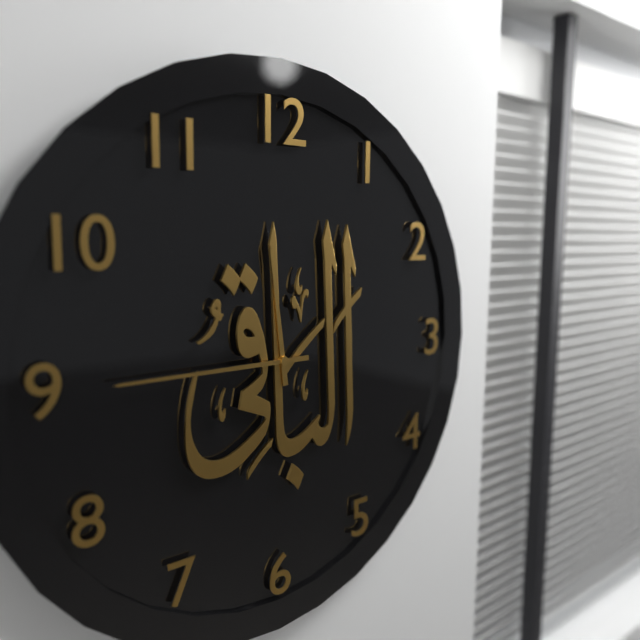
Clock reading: **11:45**
